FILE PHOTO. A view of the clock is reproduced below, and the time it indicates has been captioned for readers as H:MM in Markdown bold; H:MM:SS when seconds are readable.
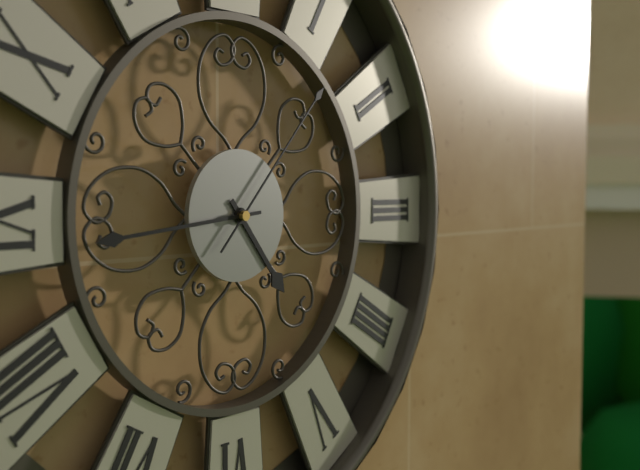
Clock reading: **4:44:07**
